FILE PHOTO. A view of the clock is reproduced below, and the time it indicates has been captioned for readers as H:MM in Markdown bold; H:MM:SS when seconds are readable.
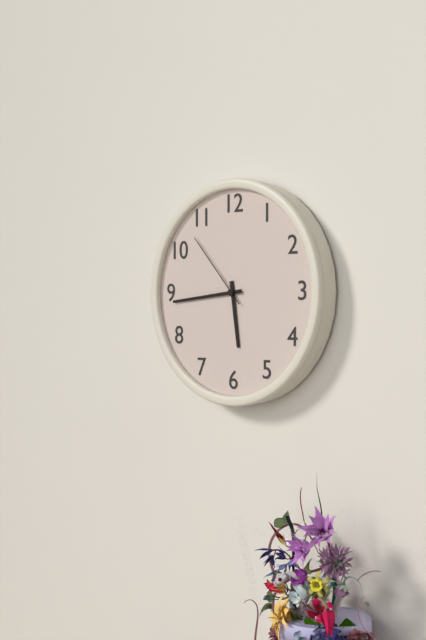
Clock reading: **5:44:53**
